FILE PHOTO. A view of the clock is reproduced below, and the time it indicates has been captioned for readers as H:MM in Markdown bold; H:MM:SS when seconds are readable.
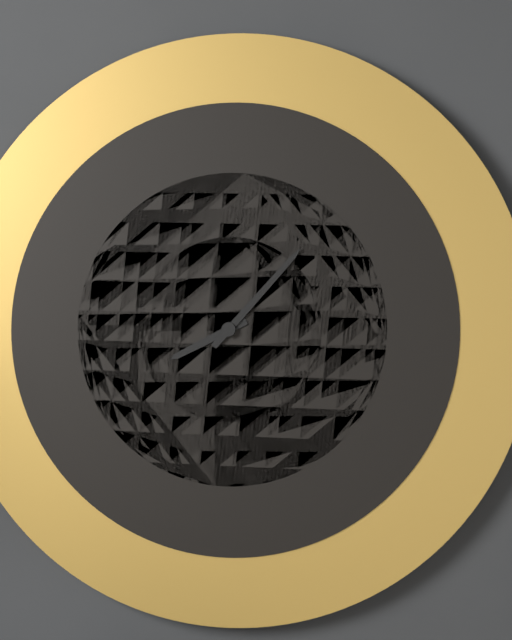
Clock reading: **8:07**
